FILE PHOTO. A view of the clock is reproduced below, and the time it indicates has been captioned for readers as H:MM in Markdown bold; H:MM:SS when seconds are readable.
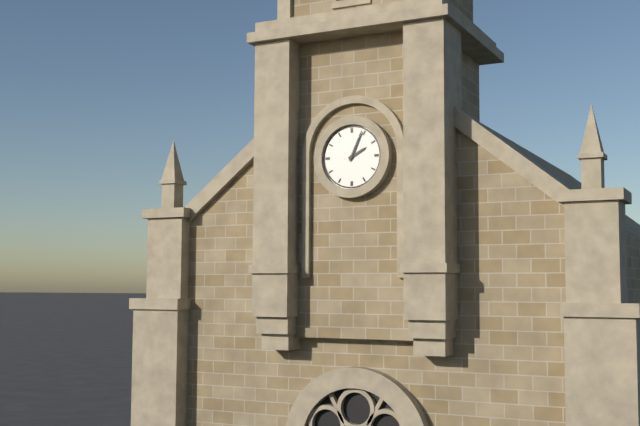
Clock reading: **2:04**
